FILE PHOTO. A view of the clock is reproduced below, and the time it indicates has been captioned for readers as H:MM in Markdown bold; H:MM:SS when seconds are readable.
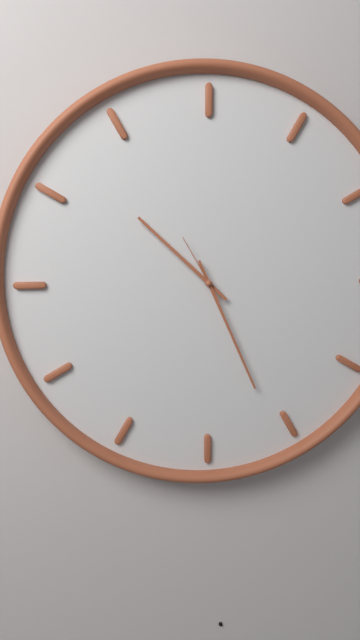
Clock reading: **10:26:55**
